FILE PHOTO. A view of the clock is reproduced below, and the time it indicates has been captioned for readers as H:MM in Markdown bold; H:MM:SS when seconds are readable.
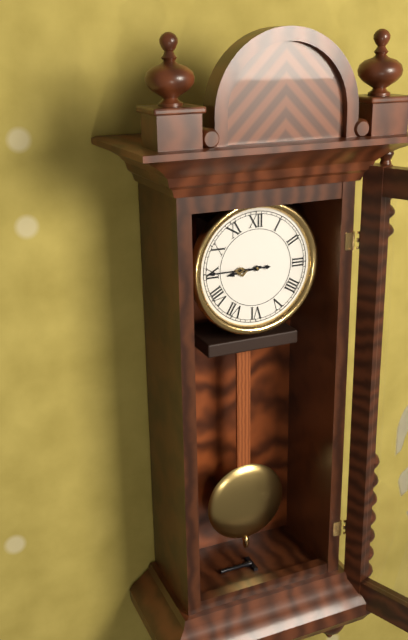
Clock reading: **8:45**
